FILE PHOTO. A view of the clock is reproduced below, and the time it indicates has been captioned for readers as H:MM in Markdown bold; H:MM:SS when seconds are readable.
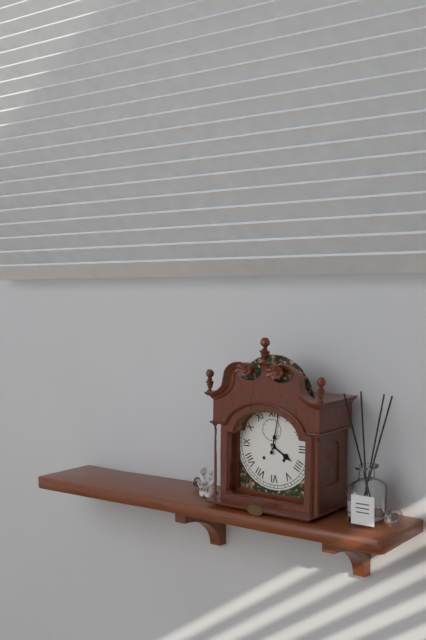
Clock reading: **4:02**
